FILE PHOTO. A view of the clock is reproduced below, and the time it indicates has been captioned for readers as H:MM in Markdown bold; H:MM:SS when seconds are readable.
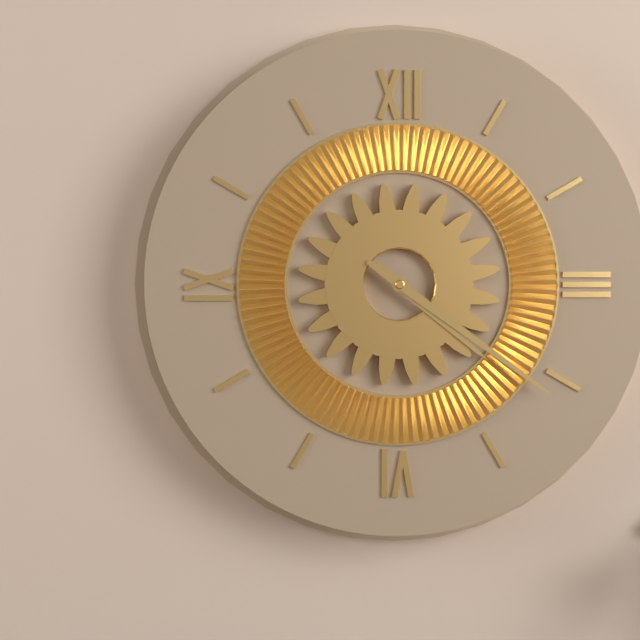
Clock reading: **4:21**
